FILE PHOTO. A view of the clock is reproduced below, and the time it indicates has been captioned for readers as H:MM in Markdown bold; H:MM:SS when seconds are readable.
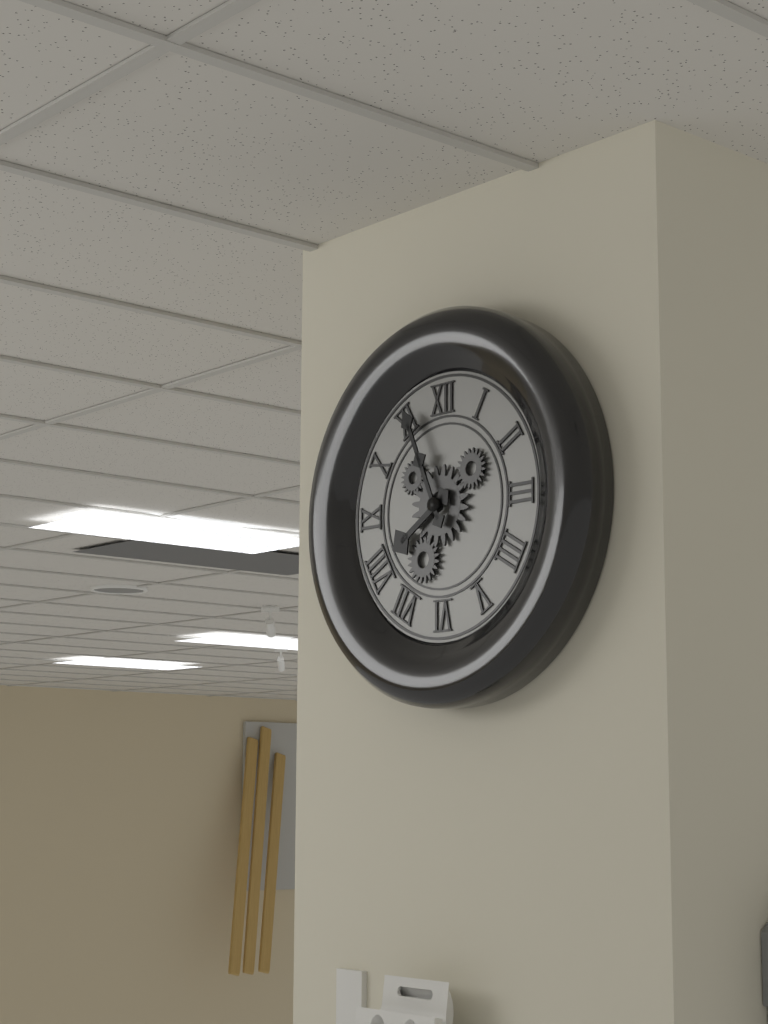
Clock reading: **7:56**
